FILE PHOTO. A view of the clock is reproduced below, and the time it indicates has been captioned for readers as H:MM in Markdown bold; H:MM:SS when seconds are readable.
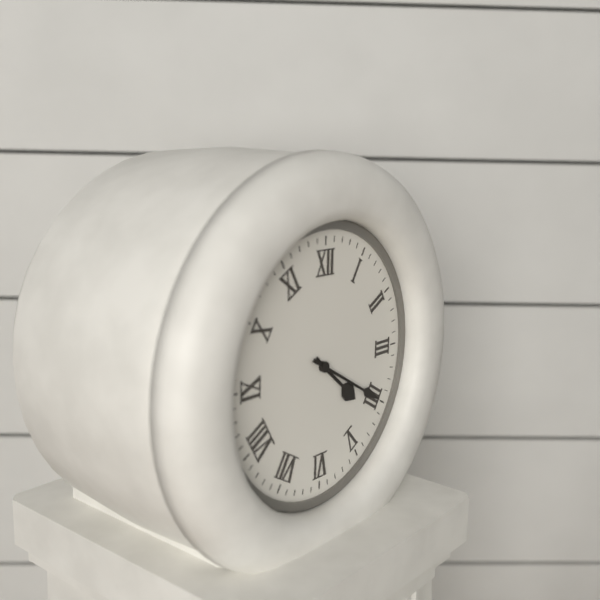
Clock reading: **4:20**
